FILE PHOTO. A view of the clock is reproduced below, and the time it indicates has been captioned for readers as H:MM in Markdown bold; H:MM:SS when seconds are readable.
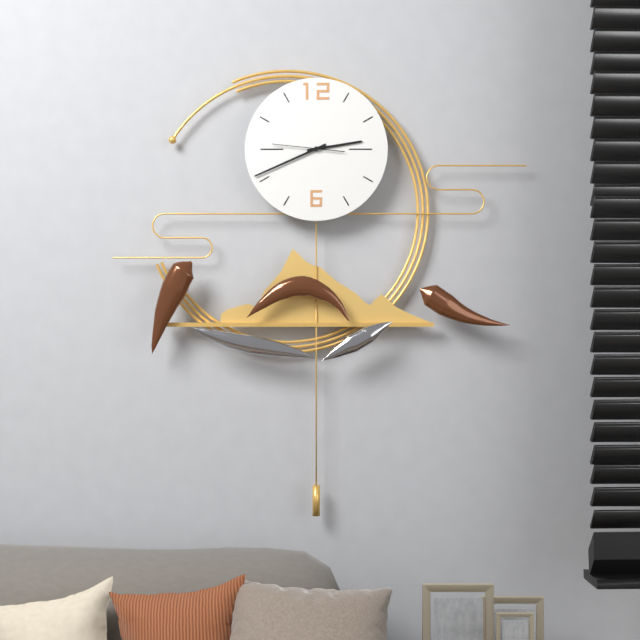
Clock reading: **2:41:46**
